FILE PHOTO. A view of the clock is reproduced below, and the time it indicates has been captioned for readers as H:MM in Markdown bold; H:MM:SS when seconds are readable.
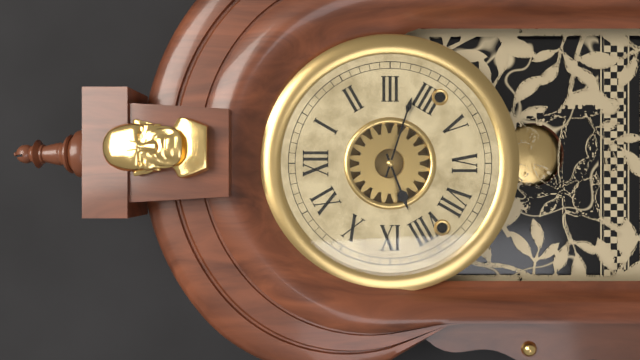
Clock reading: **8:18**
